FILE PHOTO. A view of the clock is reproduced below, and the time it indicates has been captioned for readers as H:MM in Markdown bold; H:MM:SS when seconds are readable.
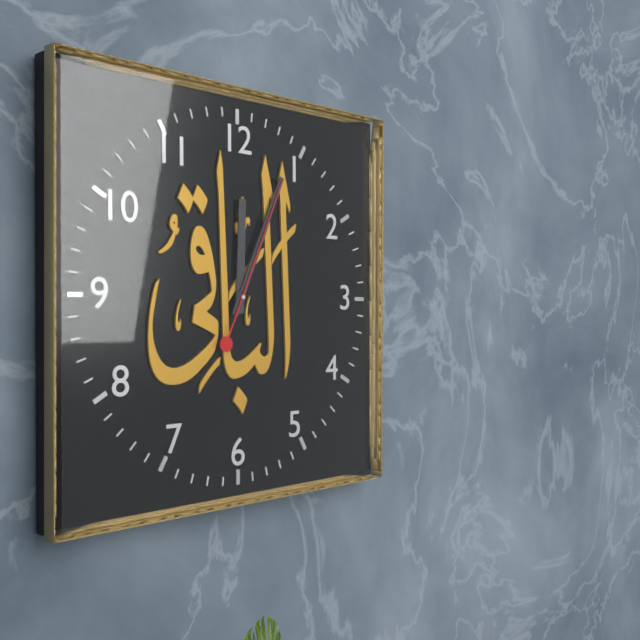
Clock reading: **12:04:04**
